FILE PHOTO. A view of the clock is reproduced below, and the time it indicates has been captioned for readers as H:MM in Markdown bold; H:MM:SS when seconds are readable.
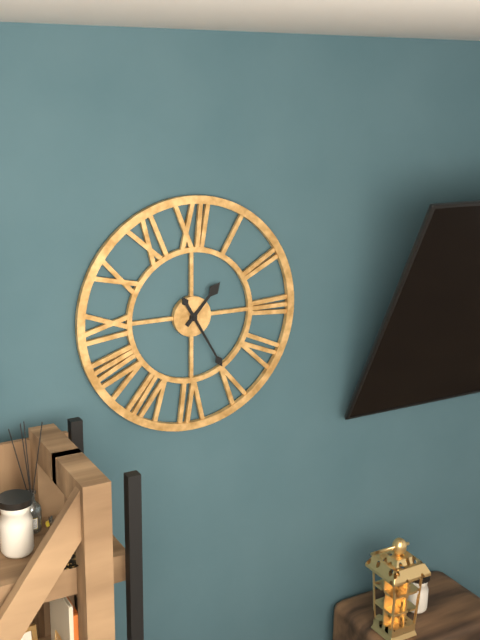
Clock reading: **1:25**
